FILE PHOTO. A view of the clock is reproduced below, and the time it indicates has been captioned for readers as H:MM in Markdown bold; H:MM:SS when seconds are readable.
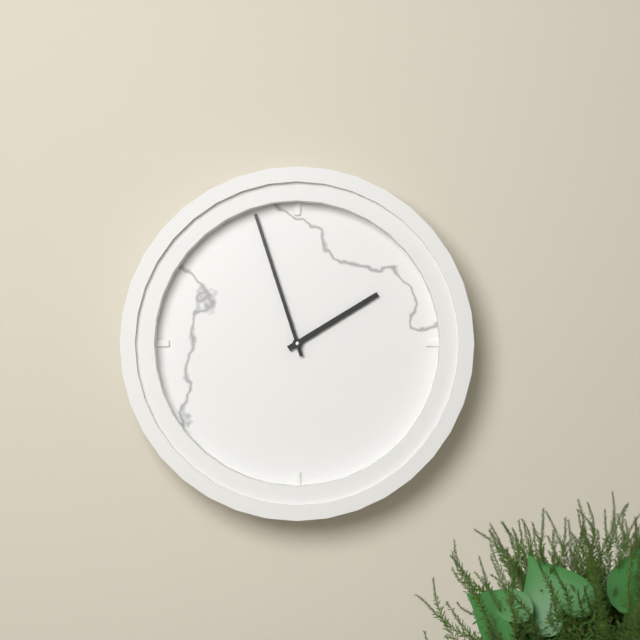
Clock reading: **1:57**
